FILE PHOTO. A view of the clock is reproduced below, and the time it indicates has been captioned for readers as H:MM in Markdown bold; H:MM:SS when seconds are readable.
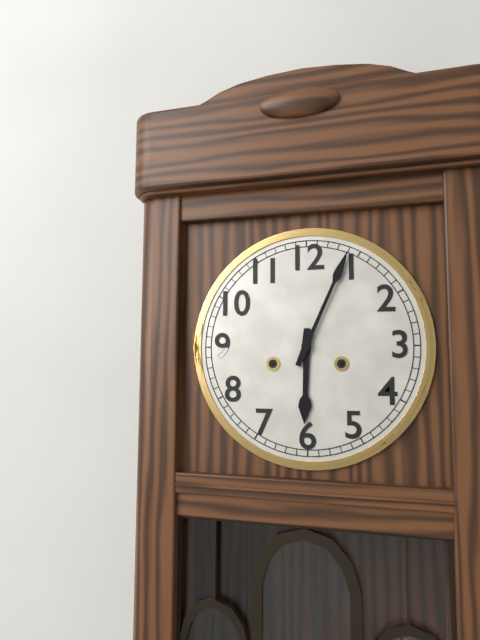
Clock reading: **6:04**
